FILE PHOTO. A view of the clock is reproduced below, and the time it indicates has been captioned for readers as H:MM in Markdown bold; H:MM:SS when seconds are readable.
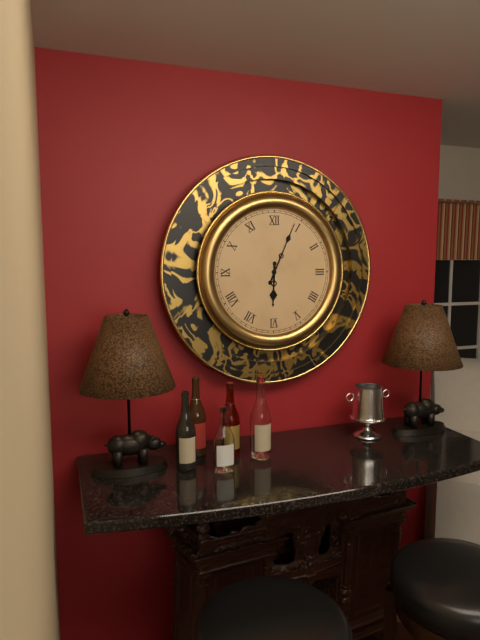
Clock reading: **6:04**
